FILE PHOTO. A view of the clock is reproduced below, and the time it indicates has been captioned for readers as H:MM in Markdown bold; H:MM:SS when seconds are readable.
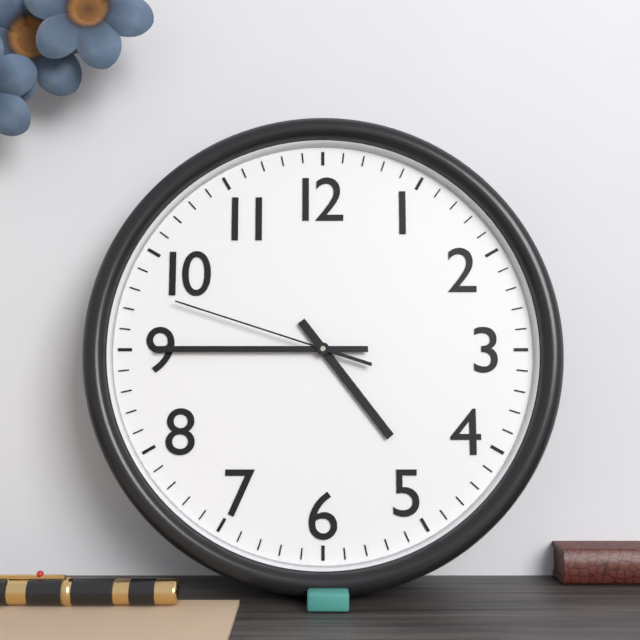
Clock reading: **4:45:48**
